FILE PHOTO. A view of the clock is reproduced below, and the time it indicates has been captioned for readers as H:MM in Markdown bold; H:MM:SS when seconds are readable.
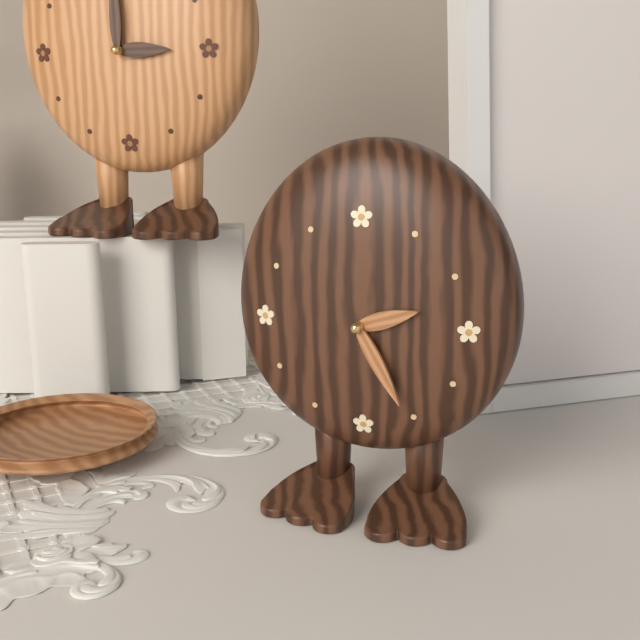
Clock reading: **2:25**
